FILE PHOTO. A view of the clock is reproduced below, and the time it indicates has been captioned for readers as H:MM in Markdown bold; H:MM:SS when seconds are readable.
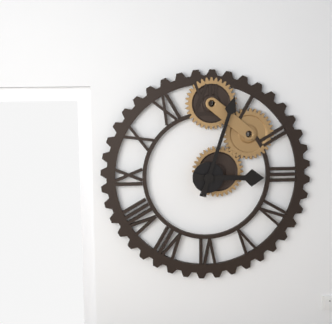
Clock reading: **3:03**
